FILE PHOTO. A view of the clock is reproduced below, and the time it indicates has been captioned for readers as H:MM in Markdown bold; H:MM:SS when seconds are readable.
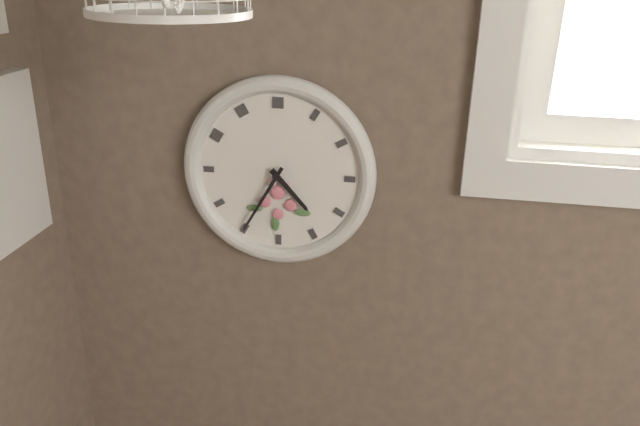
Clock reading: **4:35**
